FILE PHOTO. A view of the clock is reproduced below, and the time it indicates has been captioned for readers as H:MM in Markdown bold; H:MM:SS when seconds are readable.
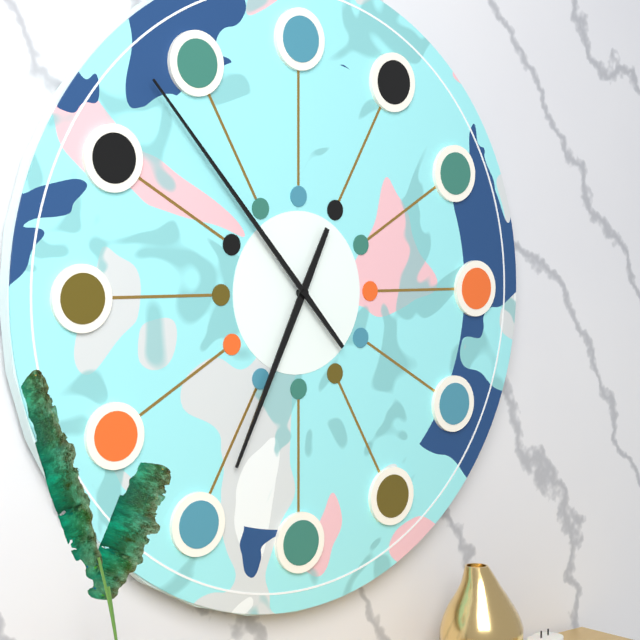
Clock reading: **6:53**
